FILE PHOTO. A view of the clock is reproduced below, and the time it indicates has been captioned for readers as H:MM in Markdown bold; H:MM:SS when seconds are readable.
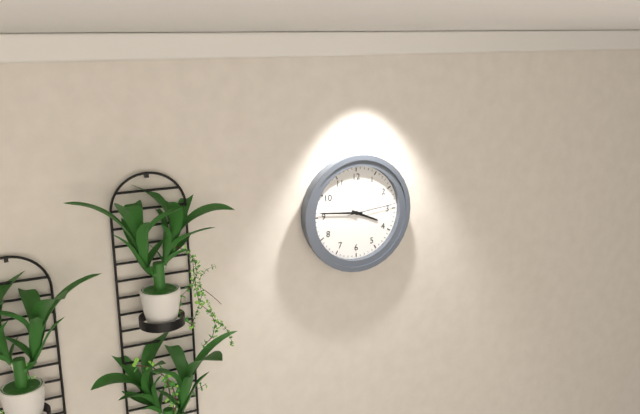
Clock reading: **3:46**
